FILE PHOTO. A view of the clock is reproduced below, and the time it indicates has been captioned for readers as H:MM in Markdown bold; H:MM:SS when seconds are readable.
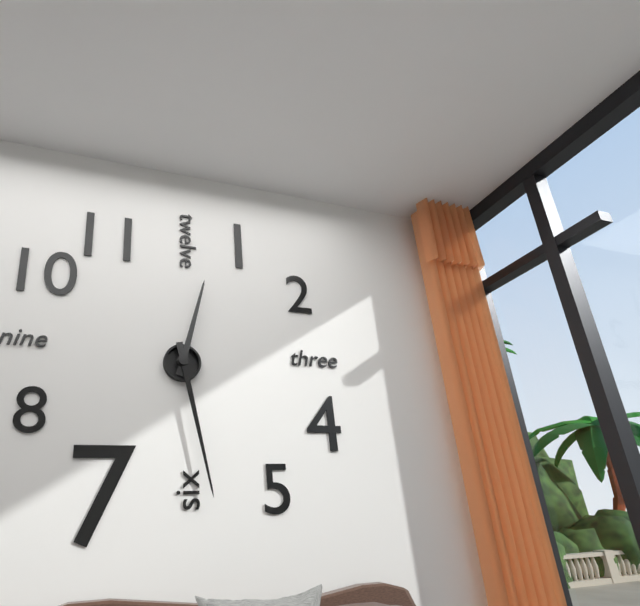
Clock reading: **12:28**
